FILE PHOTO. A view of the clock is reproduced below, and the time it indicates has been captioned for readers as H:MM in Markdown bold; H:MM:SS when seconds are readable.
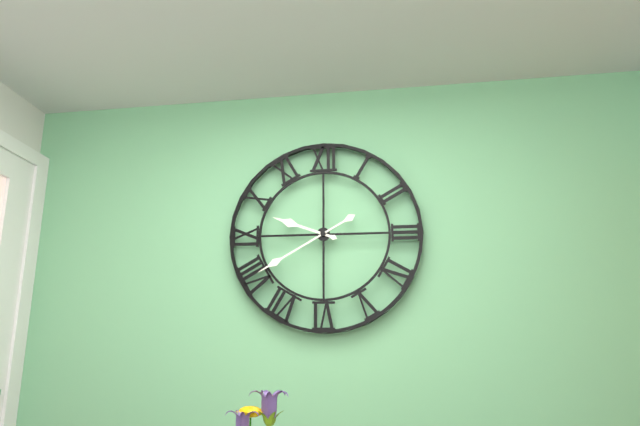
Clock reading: **9:40**
